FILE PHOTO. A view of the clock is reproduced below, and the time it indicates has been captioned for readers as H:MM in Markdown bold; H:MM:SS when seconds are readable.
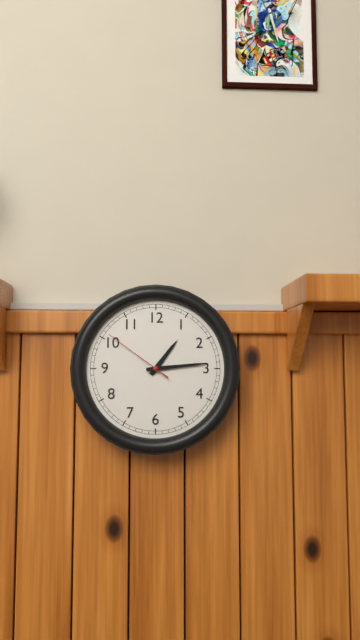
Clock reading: **1:14:51**
